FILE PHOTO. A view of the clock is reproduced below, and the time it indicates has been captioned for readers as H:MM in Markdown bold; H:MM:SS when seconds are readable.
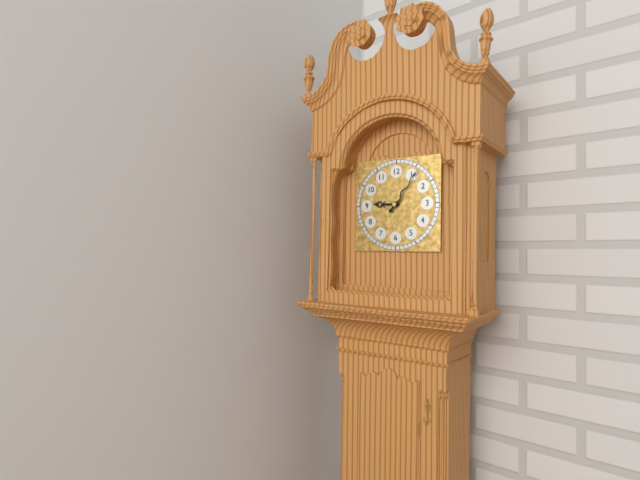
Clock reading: **9:06**
